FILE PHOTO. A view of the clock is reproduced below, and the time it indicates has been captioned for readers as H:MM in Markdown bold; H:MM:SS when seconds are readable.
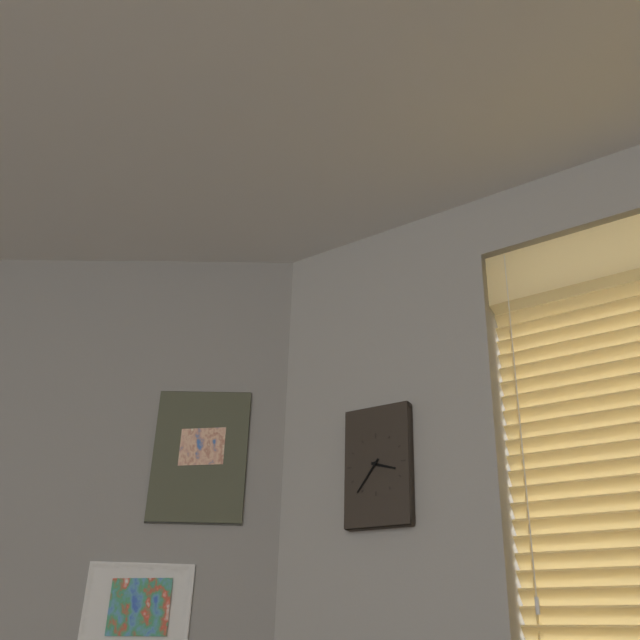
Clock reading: **3:36**
